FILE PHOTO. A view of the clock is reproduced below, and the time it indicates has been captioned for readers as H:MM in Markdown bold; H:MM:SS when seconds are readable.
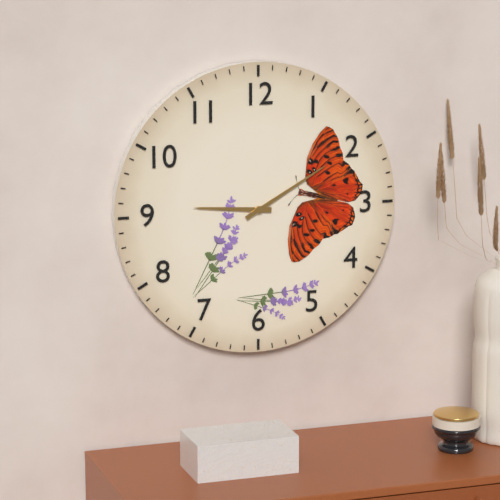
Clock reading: **9:10**
